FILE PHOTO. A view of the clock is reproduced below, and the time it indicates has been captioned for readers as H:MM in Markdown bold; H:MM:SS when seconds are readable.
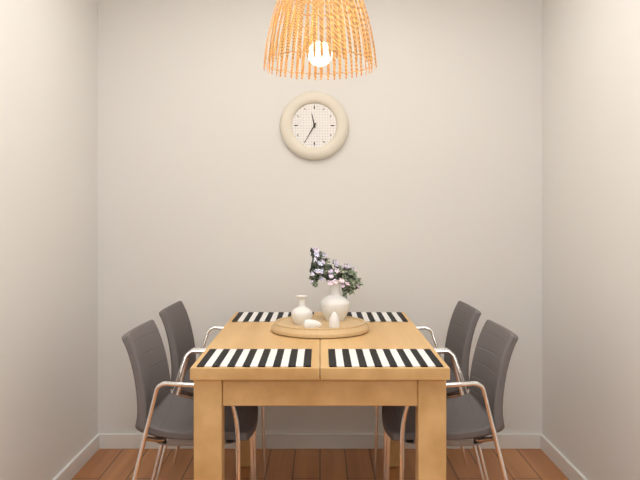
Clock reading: **11:35**
